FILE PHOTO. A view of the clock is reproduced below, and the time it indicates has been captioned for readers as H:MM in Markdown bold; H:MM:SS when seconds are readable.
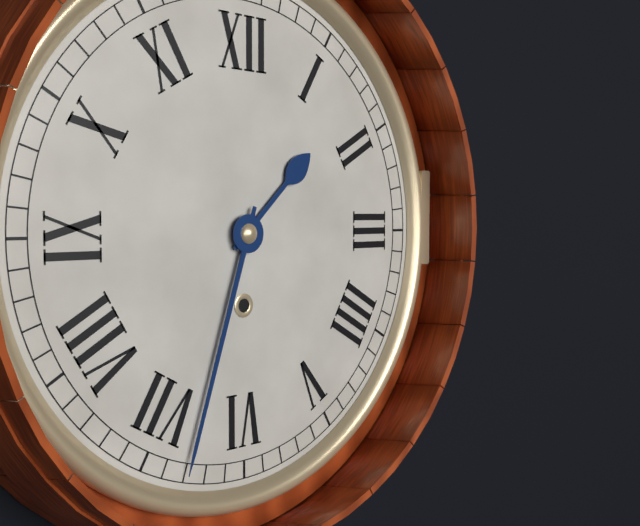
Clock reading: **1:33**
